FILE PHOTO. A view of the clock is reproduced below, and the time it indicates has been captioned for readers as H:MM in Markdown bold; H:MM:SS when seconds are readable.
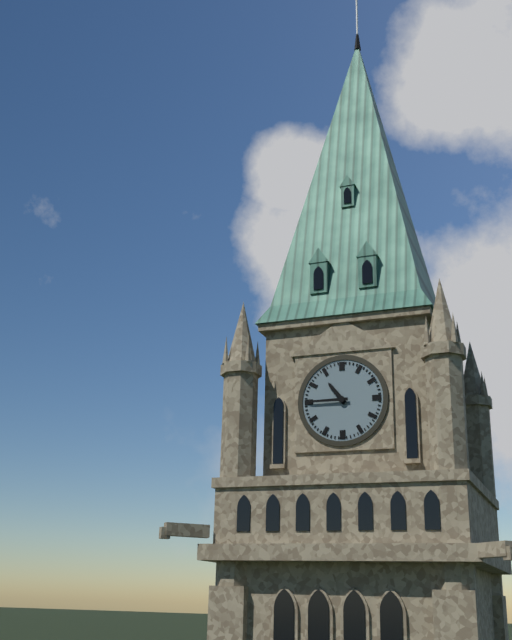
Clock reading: **10:45**
